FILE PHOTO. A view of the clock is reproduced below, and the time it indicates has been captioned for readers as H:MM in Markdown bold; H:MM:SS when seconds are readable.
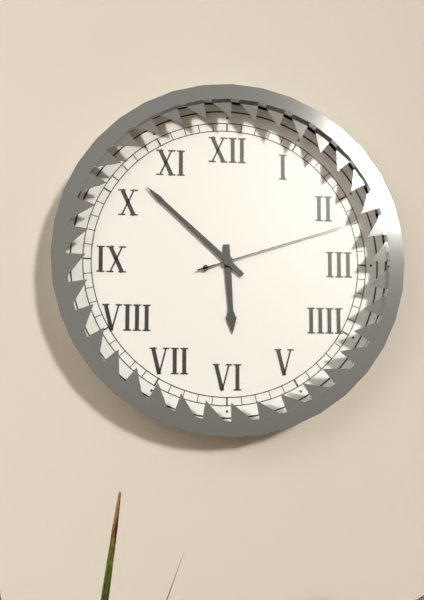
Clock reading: **5:52:12**
